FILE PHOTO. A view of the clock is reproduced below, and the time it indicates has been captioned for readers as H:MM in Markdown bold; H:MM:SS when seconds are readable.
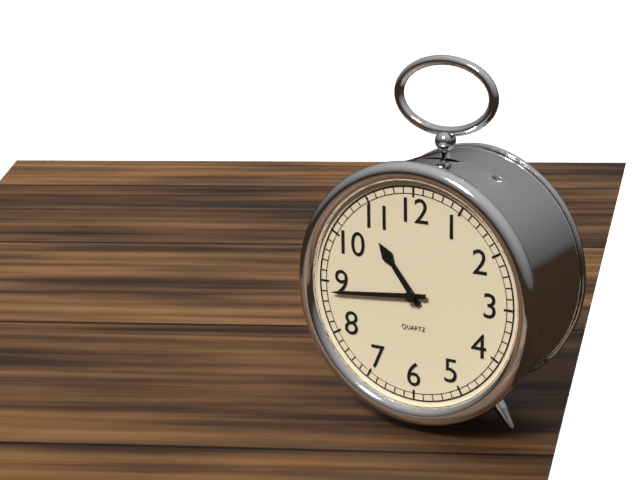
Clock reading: **10:44**
